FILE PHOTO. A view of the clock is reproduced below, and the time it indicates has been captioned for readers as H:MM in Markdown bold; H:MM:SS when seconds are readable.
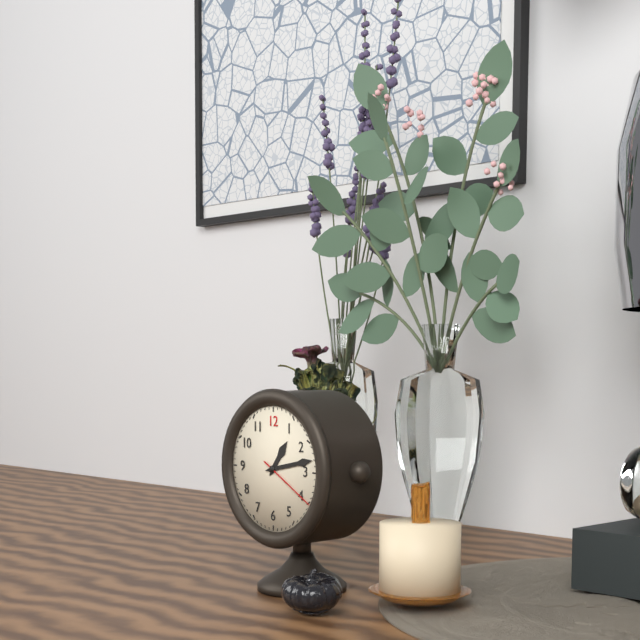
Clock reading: **1:13:20**
